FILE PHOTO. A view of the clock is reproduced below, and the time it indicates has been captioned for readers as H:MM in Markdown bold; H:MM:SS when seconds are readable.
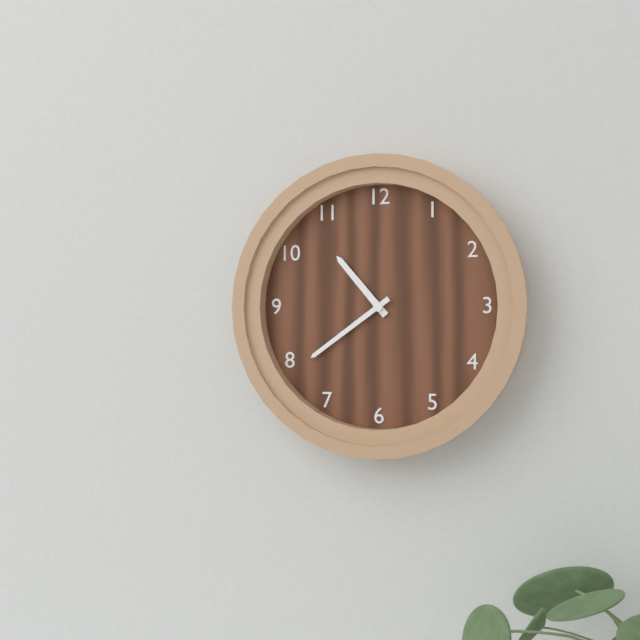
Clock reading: **10:39**
